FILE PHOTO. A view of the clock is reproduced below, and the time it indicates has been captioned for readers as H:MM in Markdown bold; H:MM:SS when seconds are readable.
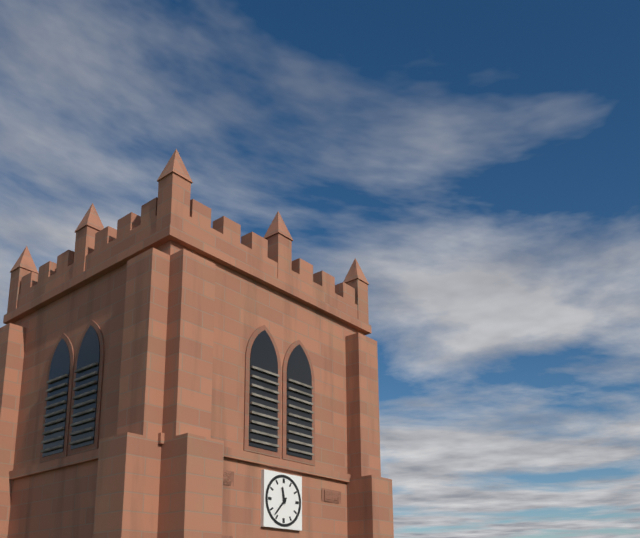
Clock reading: **11:37**
